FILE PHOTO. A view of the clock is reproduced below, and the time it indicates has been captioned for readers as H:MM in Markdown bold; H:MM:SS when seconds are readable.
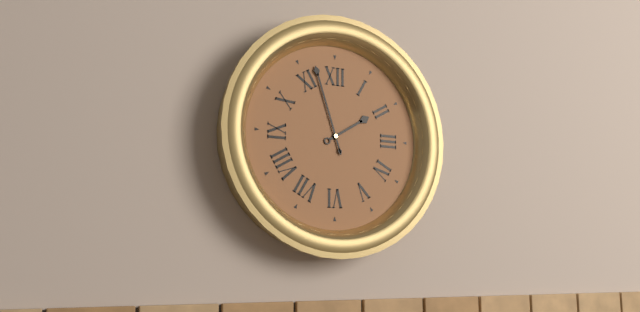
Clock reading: **1:57**
